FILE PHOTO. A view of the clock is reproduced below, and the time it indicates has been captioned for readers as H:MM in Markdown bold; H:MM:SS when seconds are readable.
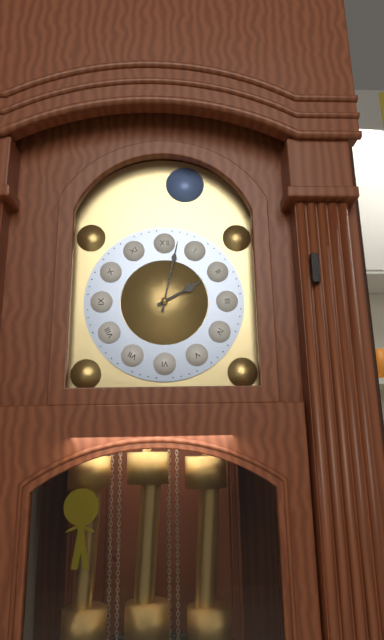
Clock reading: **2:02**
